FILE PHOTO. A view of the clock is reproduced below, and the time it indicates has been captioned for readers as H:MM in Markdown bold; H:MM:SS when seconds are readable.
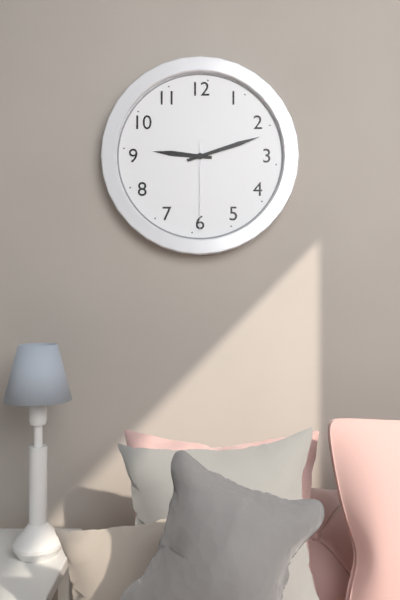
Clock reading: **9:12:30**
